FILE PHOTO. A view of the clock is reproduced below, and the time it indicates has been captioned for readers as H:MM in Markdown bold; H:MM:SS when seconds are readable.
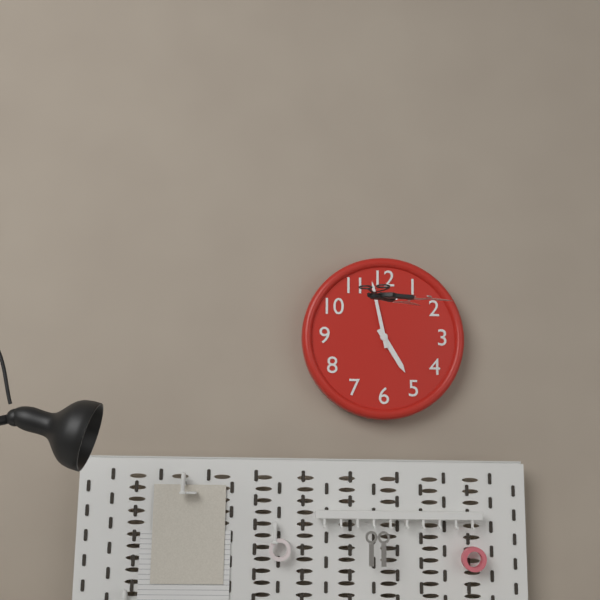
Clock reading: **4:58**
